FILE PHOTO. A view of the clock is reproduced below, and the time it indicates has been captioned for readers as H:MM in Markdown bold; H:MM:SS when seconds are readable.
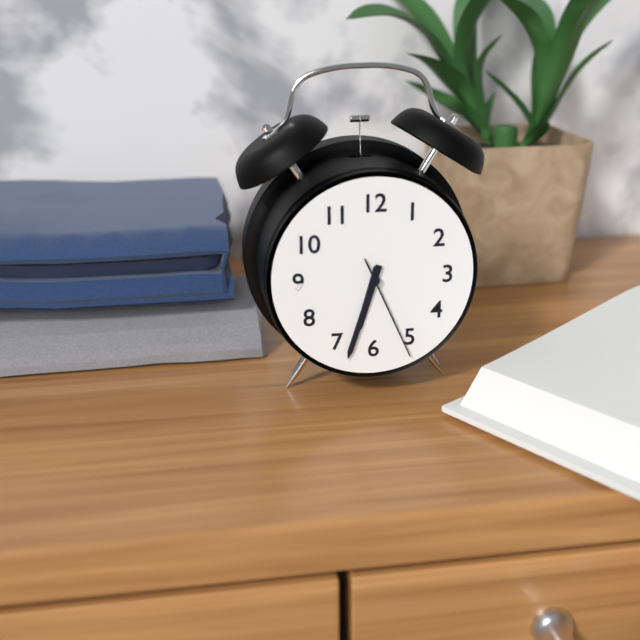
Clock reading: **6:33:26**
